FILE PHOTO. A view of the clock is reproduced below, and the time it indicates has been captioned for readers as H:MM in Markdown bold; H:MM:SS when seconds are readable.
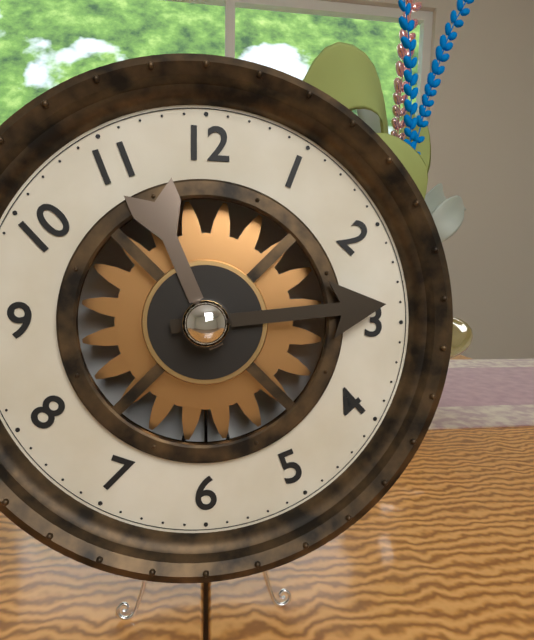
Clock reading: **11:14**
